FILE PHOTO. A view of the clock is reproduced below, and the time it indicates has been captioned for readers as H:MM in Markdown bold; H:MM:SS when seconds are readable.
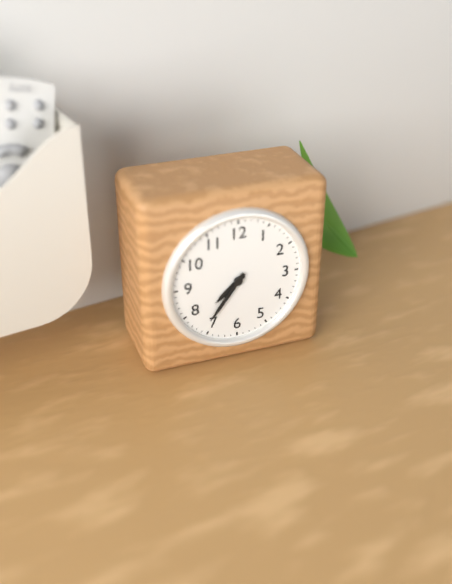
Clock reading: **7:36**
